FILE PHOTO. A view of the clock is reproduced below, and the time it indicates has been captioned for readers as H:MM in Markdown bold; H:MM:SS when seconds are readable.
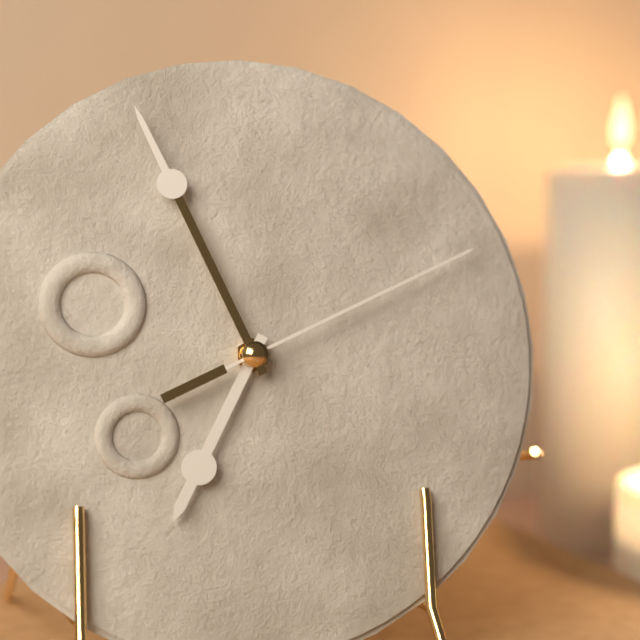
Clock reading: **6:56:11**
